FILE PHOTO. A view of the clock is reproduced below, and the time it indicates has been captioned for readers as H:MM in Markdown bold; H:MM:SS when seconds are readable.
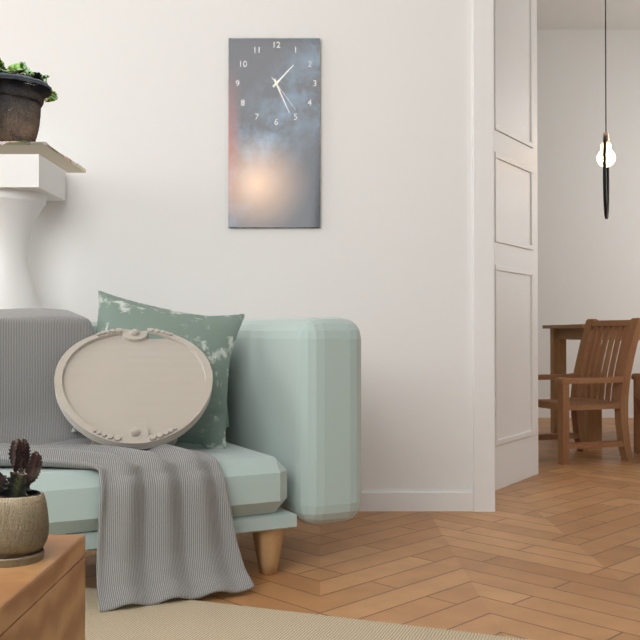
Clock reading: **1:26**
